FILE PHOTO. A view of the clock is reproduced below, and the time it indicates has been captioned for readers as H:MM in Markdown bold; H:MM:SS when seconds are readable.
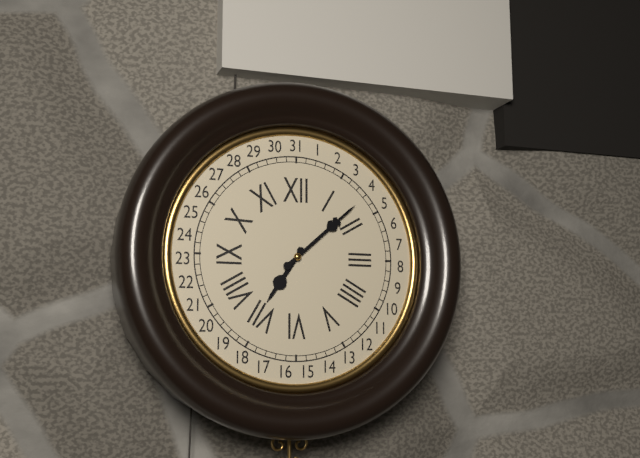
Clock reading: **7:08**
